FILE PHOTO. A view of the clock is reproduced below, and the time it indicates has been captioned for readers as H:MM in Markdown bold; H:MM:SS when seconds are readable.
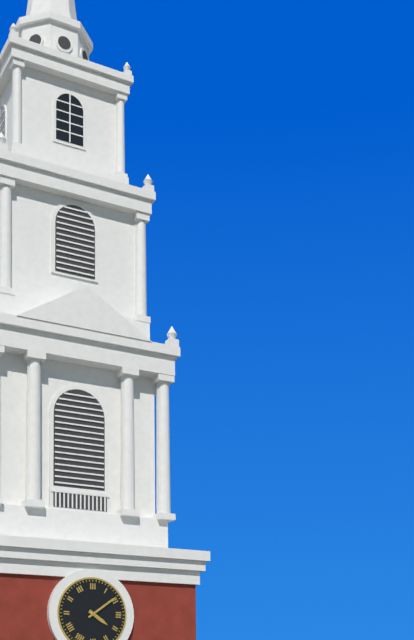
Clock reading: **4:09**
